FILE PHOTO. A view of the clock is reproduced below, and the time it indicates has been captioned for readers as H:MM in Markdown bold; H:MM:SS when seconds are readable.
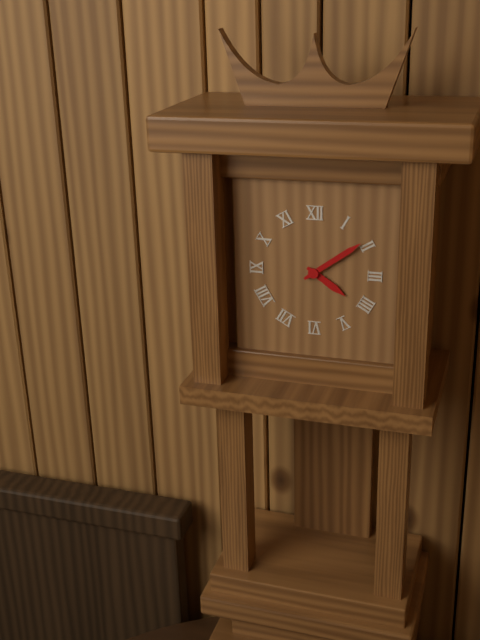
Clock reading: **4:09**
